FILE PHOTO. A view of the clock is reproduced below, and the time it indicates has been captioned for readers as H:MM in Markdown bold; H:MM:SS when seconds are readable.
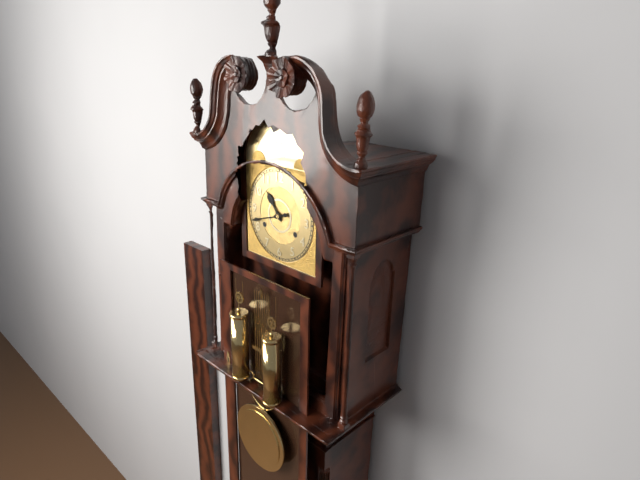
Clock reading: **10:42**
